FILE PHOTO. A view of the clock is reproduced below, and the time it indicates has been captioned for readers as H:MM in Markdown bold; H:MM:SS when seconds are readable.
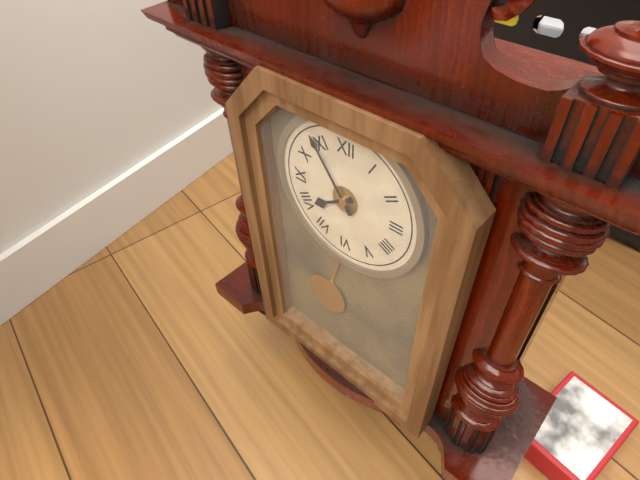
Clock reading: **7:54**
